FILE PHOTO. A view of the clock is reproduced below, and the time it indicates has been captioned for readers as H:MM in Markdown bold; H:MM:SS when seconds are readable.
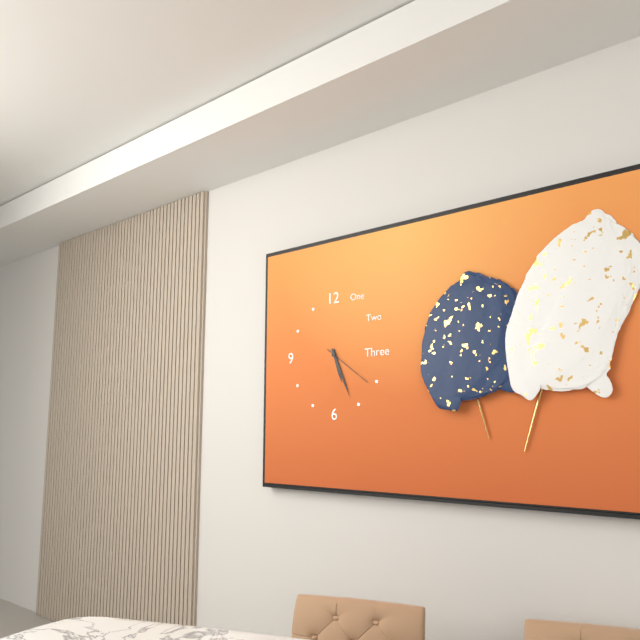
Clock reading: **5:26:21**
